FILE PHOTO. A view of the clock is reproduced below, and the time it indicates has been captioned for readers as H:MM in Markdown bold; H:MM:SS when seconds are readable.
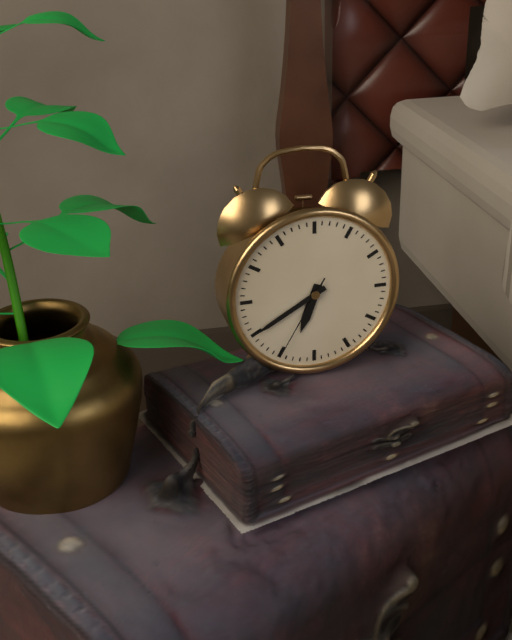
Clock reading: **6:40:35**
